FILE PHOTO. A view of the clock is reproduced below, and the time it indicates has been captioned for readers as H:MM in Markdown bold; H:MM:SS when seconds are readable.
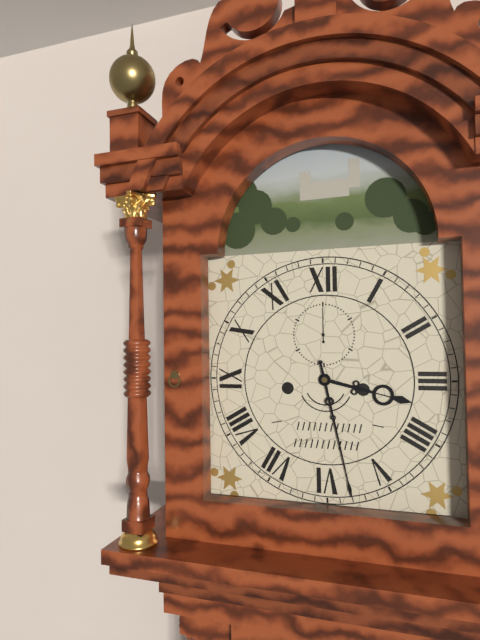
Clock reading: **3:28**
